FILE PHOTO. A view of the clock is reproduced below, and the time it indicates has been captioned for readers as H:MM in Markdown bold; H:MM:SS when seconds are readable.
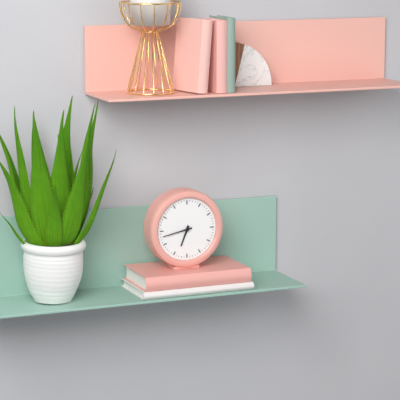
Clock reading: **6:43**
